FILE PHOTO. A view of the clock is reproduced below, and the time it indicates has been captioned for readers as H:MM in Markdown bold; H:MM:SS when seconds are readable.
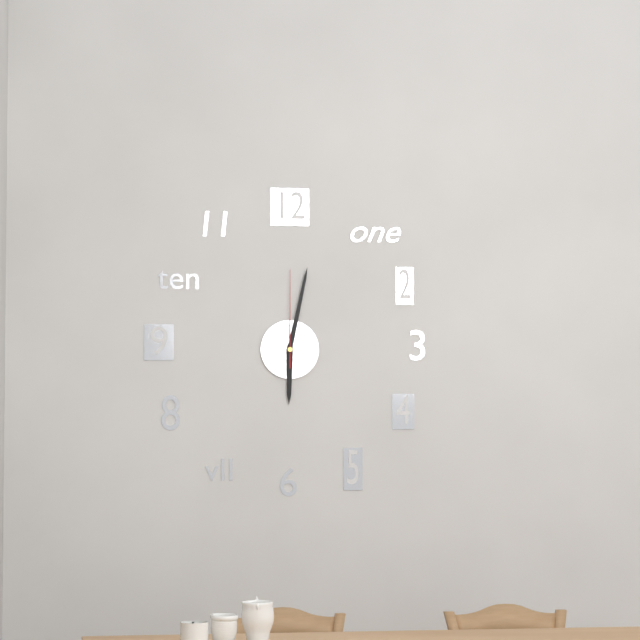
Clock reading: **6:02:00**
